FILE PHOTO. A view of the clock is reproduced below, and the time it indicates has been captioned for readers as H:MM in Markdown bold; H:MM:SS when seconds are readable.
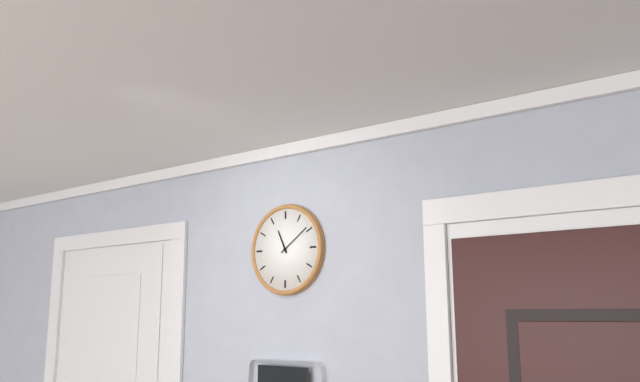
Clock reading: **11:09**
